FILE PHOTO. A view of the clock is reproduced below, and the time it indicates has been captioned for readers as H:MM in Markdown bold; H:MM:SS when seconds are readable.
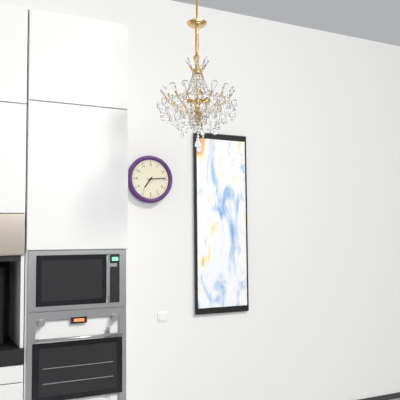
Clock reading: **7:14**
